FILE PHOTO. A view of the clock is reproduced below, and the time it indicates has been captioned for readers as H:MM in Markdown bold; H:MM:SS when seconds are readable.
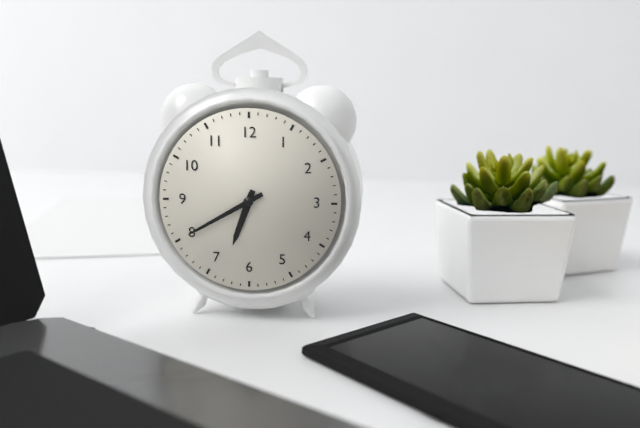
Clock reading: **6:40**
